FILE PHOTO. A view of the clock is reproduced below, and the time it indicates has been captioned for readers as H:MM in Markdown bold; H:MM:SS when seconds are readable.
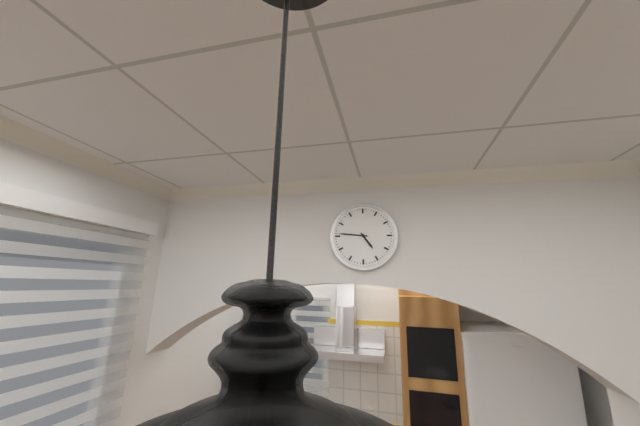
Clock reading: **4:46**
